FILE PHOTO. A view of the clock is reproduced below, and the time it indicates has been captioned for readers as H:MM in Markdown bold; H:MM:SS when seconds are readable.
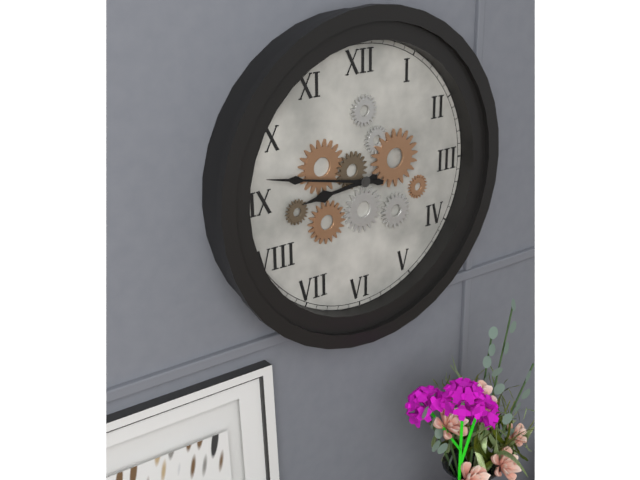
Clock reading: **8:47**
